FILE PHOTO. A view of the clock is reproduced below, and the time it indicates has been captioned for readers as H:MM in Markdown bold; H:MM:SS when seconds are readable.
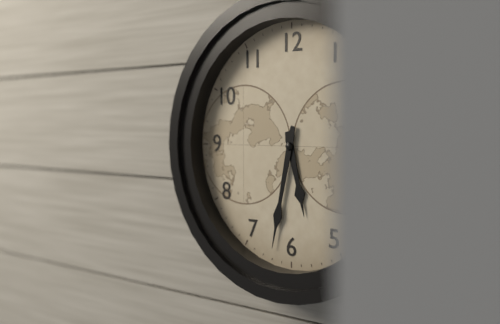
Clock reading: **5:32**
